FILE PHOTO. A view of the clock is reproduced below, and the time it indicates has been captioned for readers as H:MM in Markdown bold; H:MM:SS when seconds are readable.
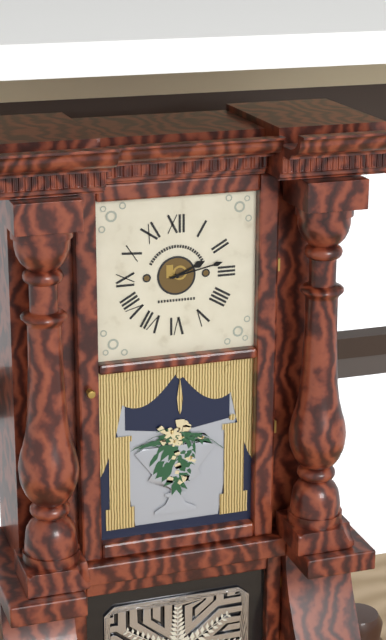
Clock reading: **2:13**
